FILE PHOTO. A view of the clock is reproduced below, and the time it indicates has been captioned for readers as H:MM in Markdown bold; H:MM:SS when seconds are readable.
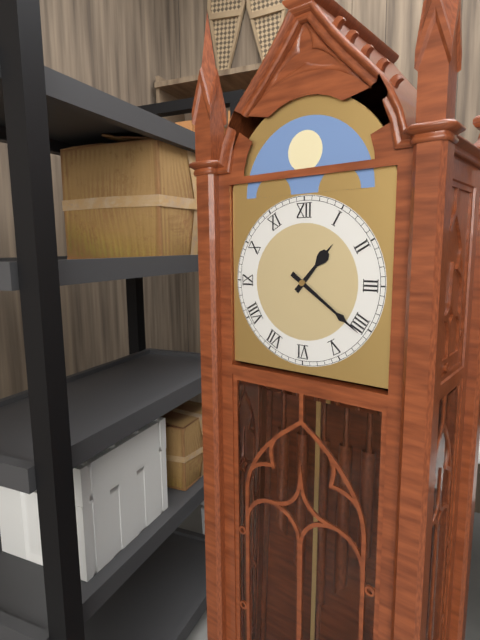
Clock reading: **1:21**
